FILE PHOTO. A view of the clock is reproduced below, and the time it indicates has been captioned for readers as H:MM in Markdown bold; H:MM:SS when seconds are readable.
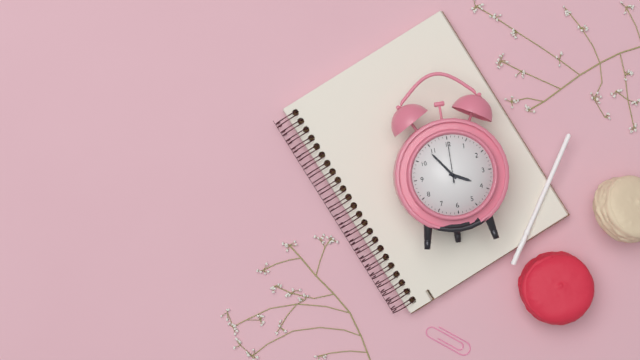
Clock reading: **3:54**
